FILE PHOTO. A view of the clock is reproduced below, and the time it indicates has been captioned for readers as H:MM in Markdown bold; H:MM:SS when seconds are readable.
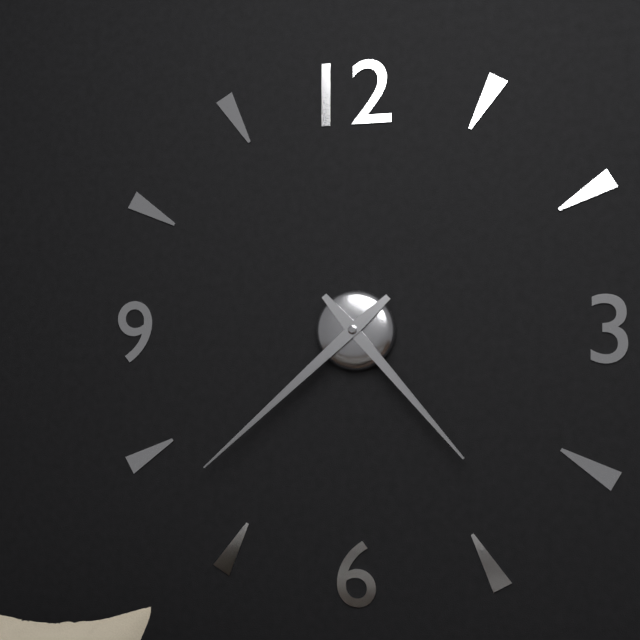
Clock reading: **4:38**
